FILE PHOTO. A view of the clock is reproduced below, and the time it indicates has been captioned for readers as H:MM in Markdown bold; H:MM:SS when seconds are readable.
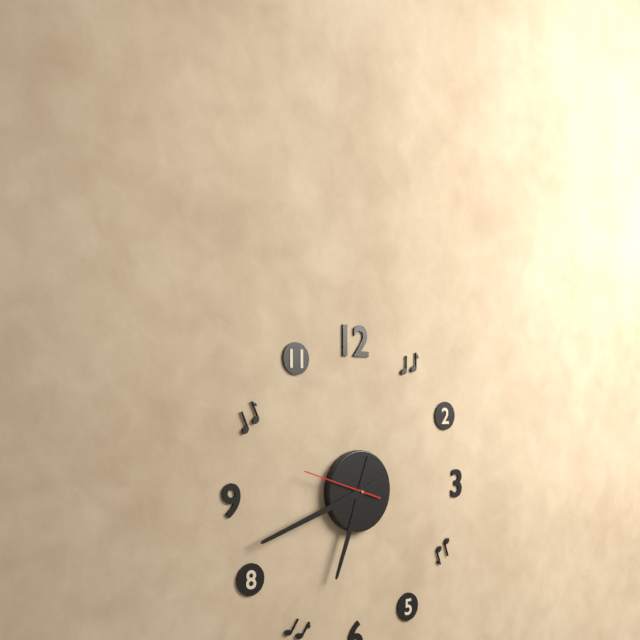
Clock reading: **6:42:48**
